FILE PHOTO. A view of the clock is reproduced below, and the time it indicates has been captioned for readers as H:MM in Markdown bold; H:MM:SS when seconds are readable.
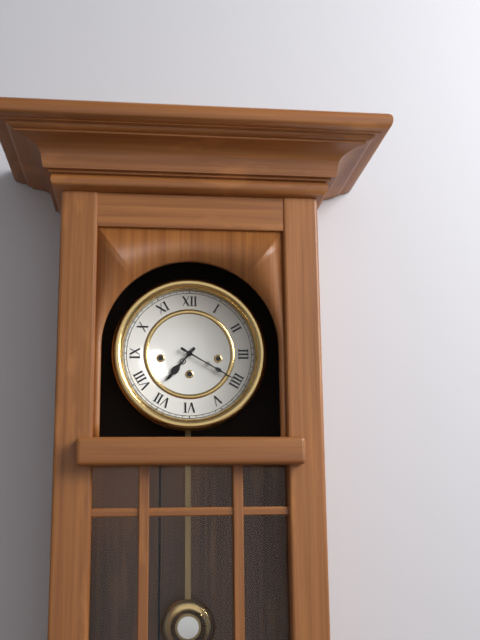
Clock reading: **7:20**
